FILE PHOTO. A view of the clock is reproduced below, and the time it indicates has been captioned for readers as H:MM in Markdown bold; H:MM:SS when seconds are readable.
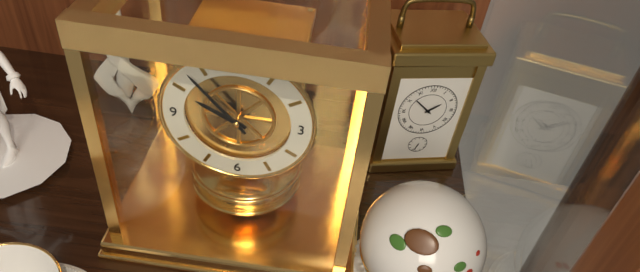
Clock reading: **9:53**
